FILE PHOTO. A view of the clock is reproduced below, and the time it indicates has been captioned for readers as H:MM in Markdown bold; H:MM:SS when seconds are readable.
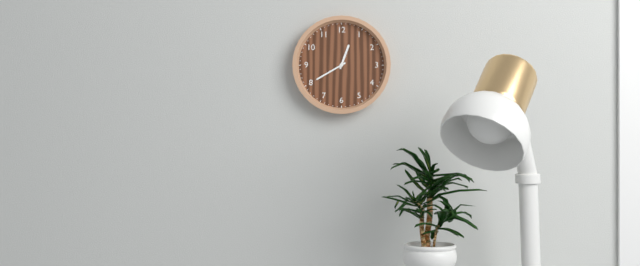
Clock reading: **12:40**
